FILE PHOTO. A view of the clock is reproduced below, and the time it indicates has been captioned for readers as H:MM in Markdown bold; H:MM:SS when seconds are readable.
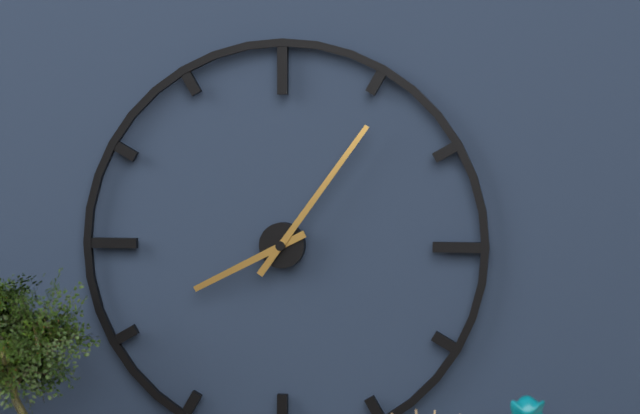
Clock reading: **8:06**
